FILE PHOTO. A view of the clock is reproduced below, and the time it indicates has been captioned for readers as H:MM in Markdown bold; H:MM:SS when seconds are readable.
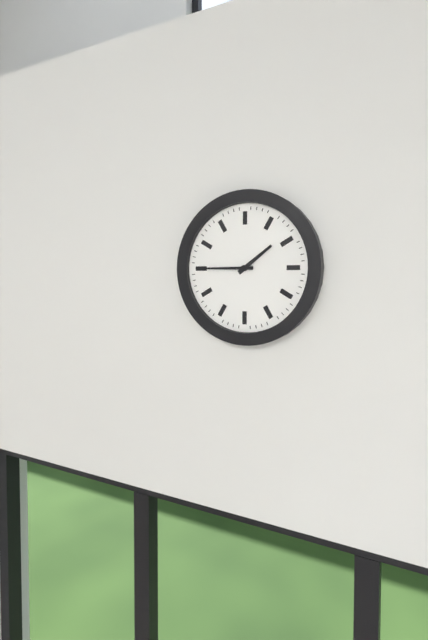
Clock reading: **1:45**
